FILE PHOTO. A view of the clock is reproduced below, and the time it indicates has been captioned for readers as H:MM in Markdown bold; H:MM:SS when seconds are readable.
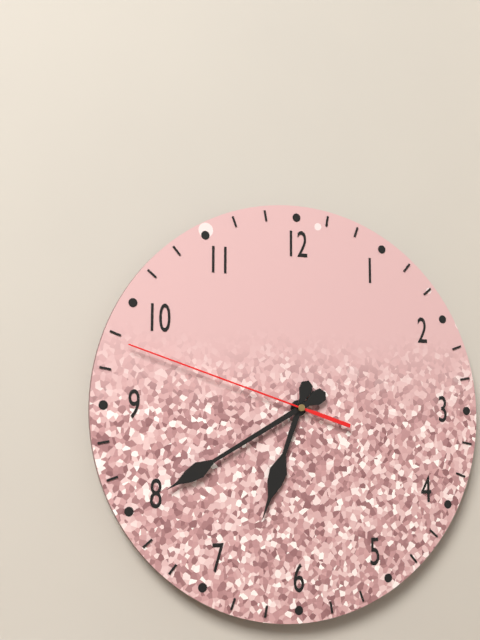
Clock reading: **6:40:48**
